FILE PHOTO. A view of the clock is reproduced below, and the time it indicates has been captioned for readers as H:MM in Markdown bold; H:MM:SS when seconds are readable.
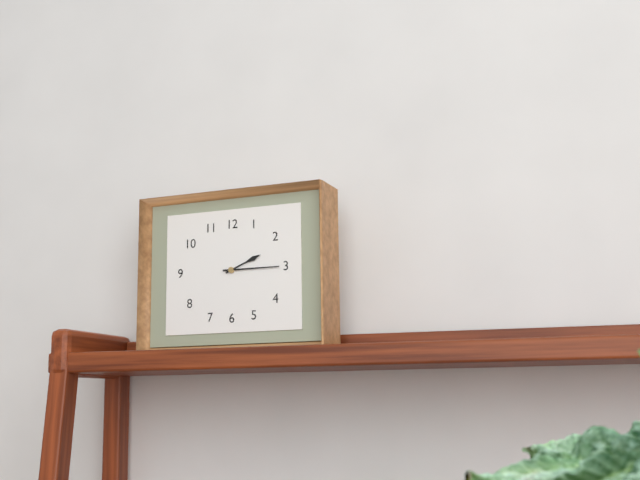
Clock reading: **2:15**
